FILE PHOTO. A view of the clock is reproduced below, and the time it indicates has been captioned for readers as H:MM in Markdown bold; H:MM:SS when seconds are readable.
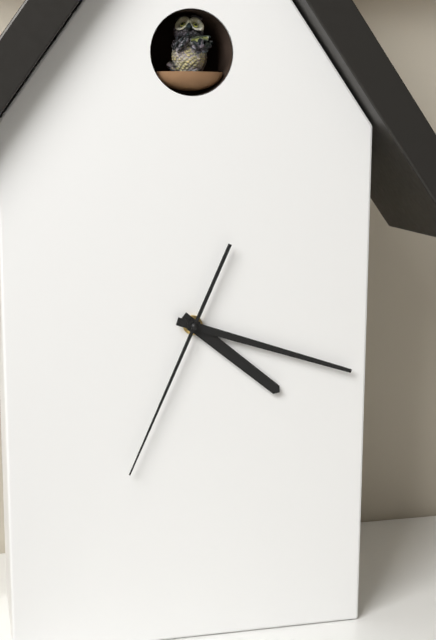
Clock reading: **4:18:34**
